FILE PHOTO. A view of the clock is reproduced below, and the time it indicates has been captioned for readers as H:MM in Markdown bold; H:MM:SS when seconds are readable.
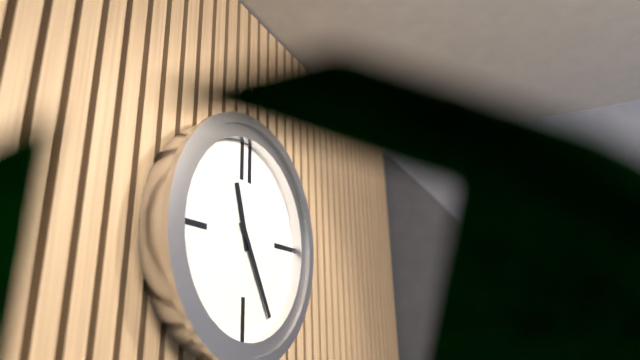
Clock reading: **11:25**
